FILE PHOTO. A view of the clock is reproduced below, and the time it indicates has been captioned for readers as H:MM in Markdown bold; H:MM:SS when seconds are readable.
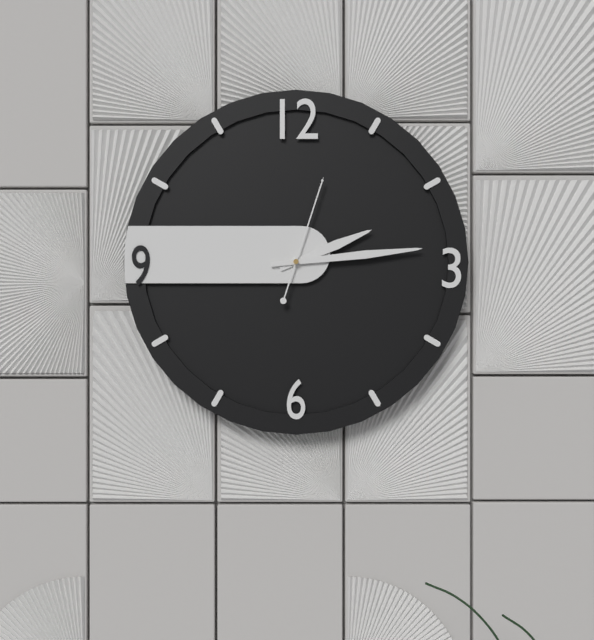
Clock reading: **2:14:03**
